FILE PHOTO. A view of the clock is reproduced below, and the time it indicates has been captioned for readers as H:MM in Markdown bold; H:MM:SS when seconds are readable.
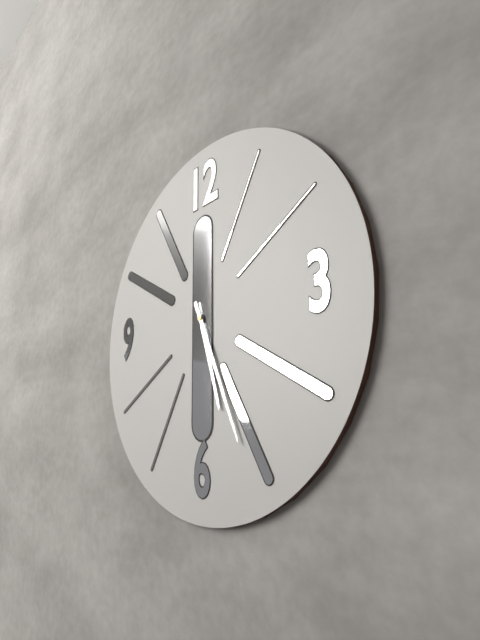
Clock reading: **5:26**
